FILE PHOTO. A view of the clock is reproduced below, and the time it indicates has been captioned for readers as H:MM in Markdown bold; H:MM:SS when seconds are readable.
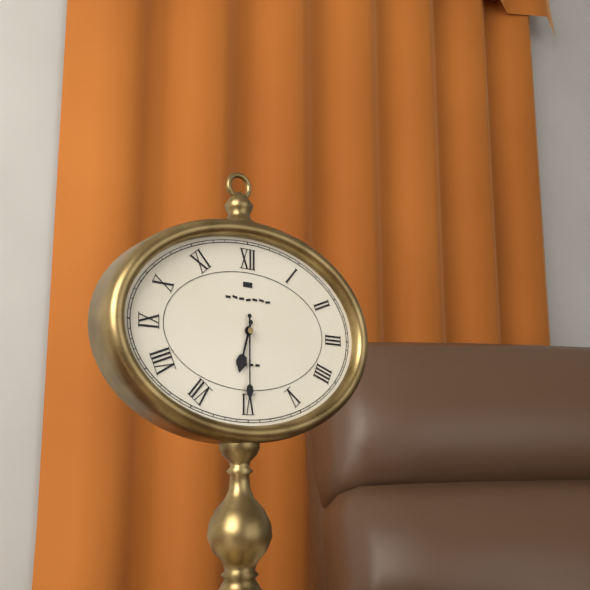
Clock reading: **6:30**
